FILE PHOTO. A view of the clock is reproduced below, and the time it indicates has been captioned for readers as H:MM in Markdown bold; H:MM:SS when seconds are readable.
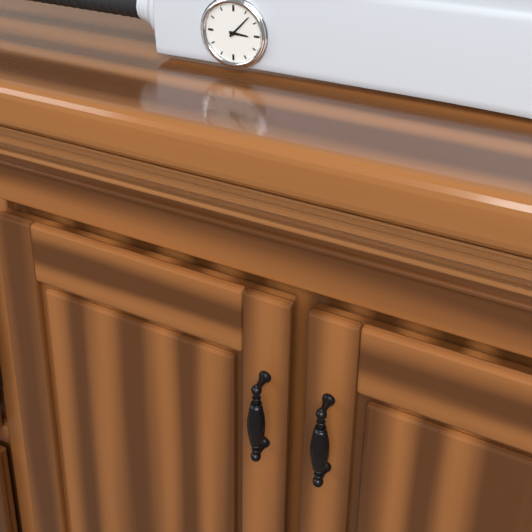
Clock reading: **3:07**
